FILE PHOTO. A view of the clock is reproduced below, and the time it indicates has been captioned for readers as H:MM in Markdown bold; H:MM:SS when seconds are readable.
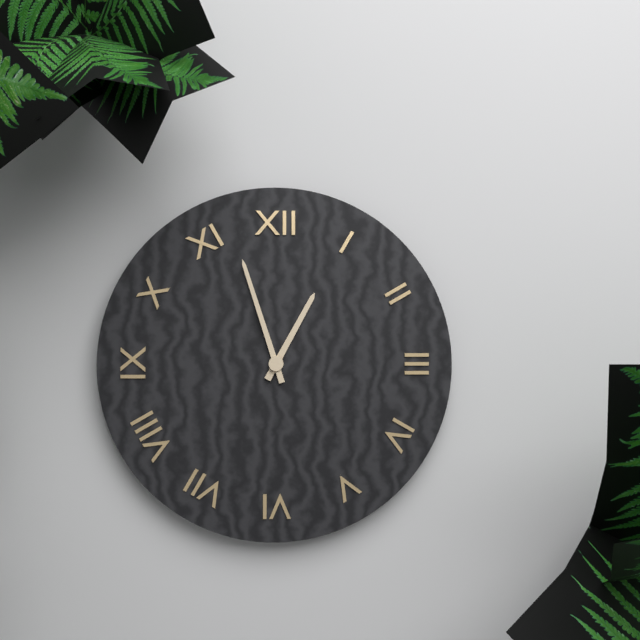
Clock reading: **12:57**
